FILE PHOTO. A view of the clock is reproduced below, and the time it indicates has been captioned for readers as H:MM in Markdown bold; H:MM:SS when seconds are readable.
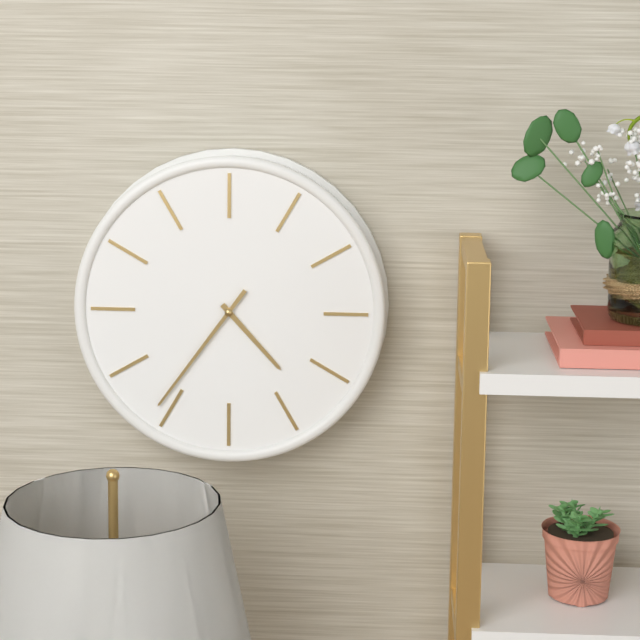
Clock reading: **4:36**
